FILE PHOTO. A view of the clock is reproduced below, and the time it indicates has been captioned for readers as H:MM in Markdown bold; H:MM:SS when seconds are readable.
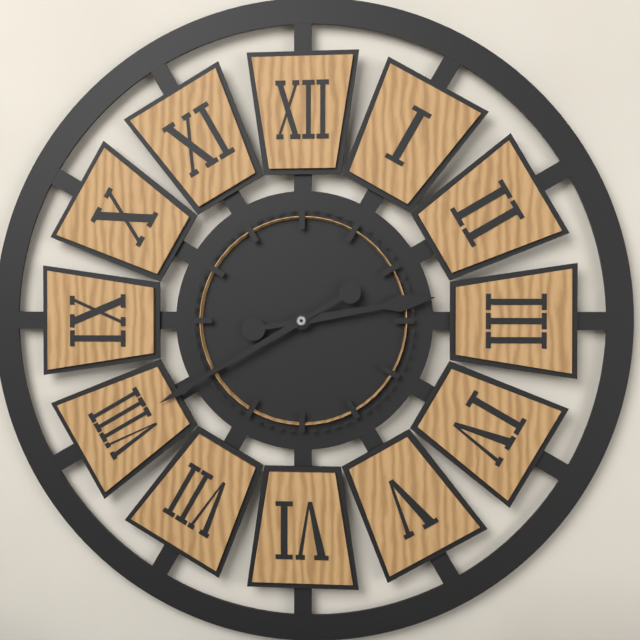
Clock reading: **2:40**
